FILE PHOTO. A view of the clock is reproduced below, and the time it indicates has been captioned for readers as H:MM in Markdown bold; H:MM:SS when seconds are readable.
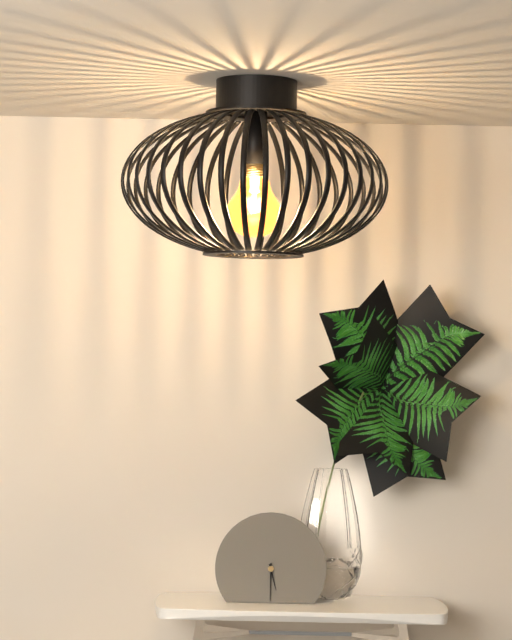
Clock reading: **5:30**
